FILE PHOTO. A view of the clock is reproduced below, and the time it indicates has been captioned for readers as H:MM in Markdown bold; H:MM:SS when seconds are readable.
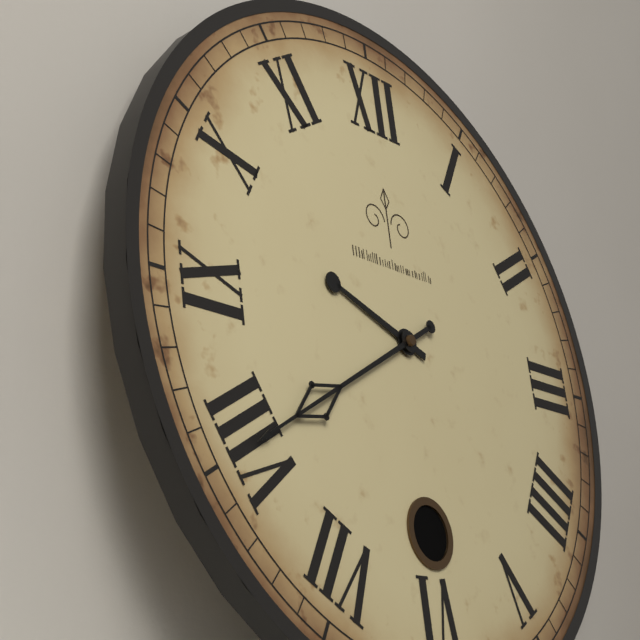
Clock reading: **9:40**
